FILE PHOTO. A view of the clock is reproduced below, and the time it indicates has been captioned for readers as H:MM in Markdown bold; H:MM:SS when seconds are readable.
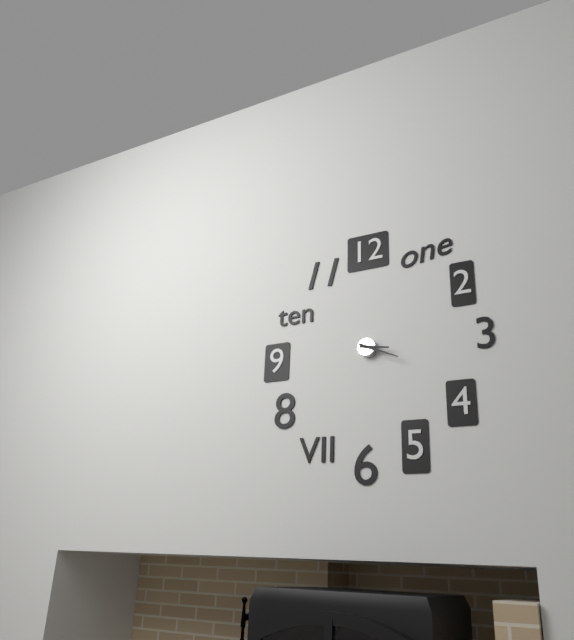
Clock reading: **3:19**
